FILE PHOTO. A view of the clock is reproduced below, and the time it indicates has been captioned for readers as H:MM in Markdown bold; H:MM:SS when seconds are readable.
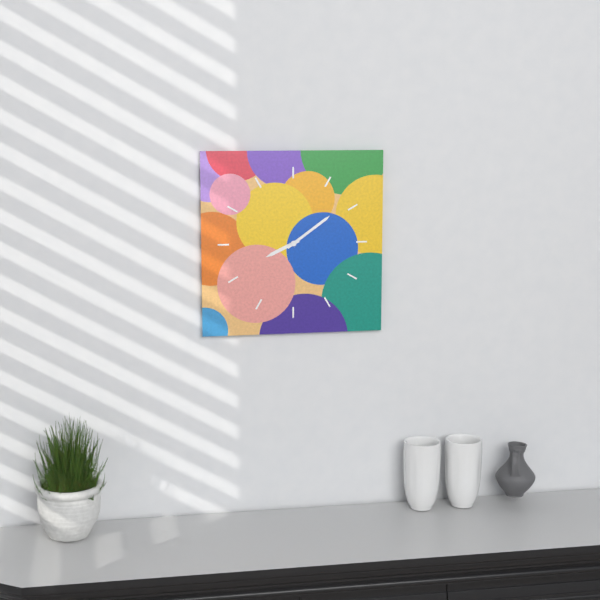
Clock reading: **8:09**
